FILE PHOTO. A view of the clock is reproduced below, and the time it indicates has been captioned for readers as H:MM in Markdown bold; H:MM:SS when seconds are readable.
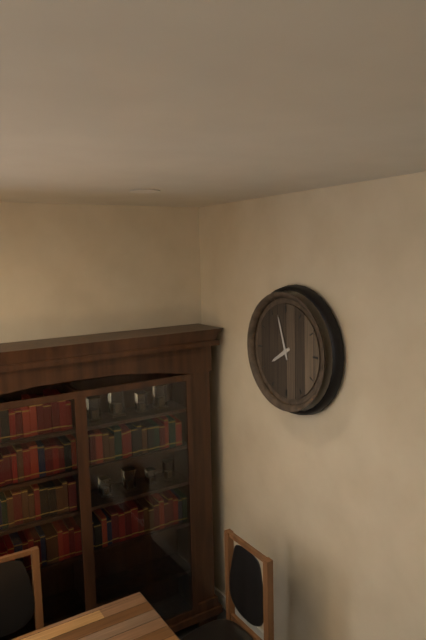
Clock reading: **7:57**
